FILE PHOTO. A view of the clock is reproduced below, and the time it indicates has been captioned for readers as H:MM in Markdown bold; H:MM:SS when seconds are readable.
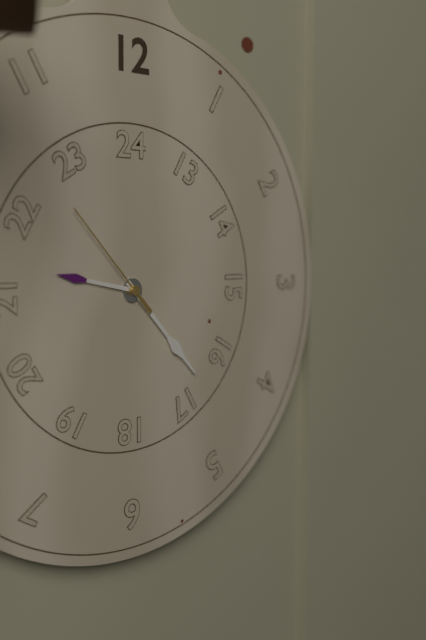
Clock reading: **9:23:53**
